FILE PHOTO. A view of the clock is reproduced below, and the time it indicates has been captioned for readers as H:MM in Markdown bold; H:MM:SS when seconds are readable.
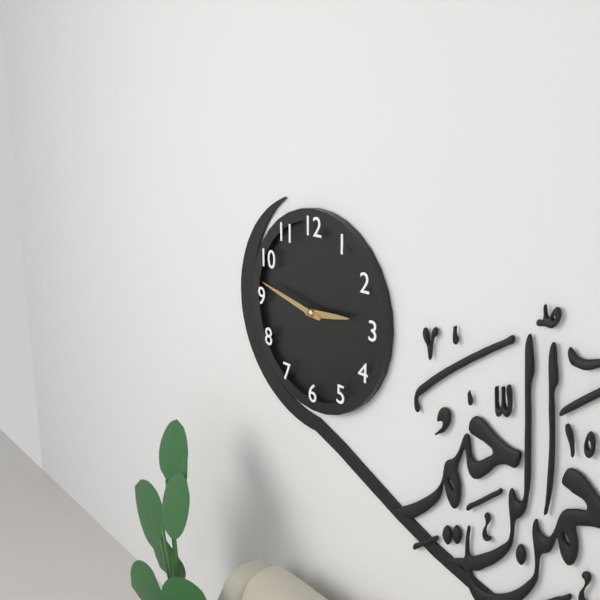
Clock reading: **2:47**
